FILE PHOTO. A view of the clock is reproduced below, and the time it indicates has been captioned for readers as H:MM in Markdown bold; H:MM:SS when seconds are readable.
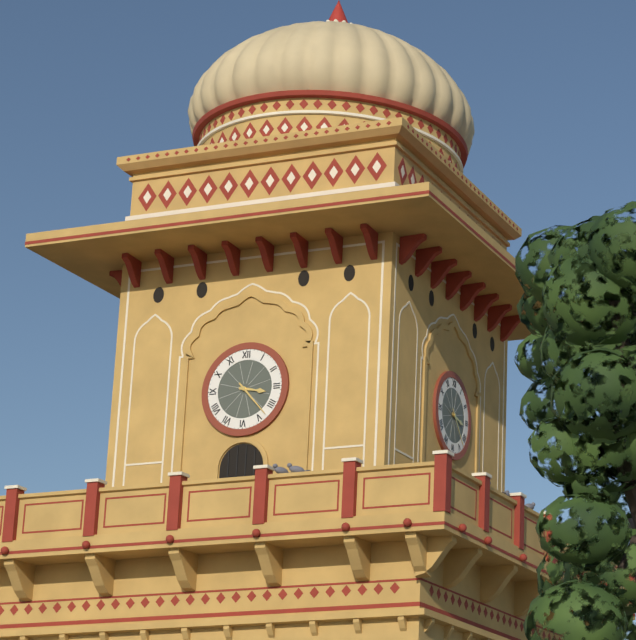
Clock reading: **3:23**
